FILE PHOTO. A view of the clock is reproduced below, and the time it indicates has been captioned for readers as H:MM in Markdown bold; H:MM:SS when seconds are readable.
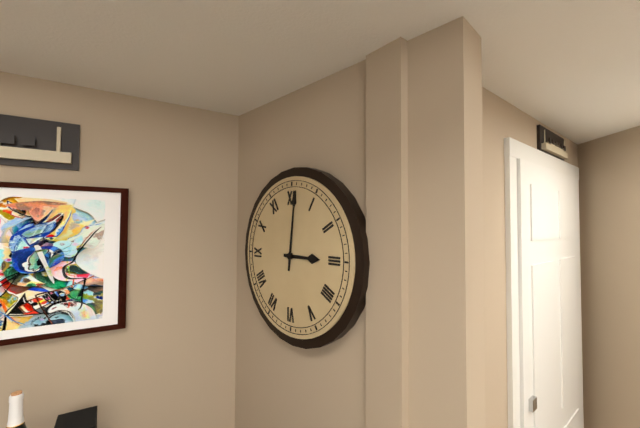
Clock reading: **3:01**
